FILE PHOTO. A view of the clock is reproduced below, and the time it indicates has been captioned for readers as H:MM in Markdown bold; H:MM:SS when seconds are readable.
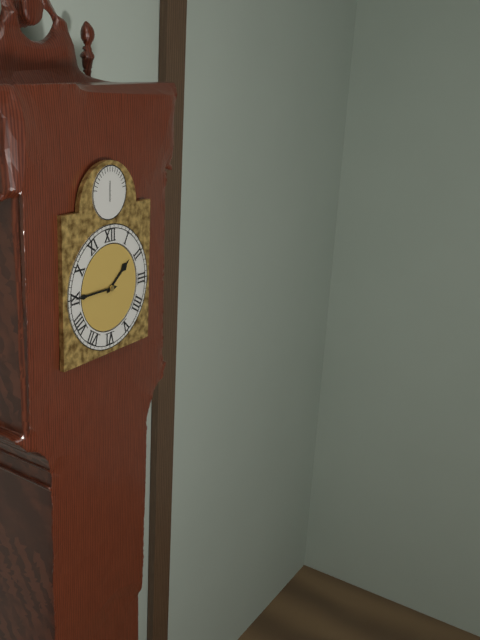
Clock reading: **1:45**
